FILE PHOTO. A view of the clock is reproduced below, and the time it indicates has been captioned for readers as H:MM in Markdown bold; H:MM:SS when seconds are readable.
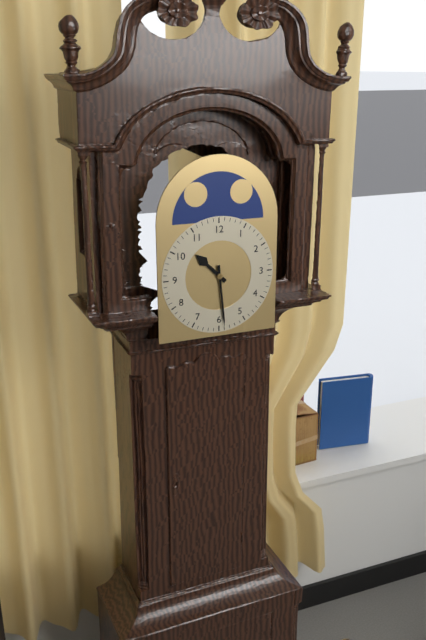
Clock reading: **10:29**
